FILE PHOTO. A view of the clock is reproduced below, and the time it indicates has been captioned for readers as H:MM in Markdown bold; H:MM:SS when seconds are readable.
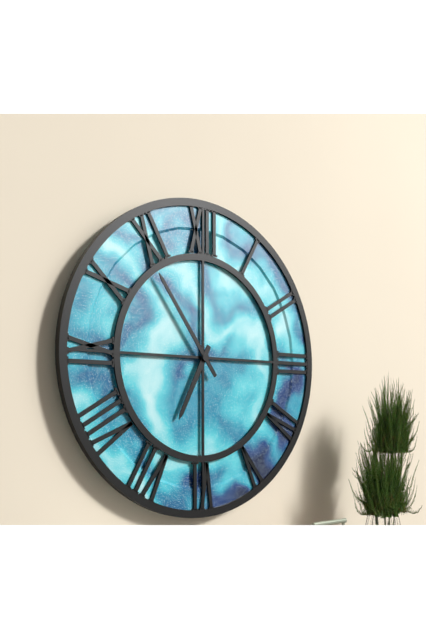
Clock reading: **6:54**
